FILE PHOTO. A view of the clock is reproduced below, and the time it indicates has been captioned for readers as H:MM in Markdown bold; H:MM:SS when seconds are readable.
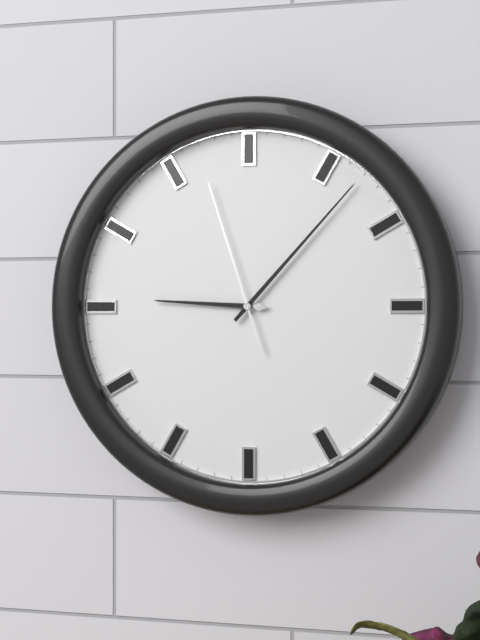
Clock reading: **9:07:57**
